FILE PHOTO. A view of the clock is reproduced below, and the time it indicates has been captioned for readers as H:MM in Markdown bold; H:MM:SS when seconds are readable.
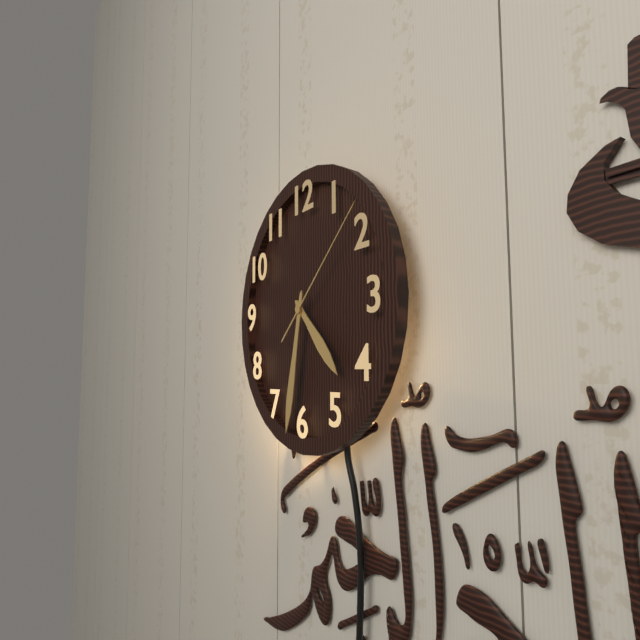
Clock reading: **4:32:08**
